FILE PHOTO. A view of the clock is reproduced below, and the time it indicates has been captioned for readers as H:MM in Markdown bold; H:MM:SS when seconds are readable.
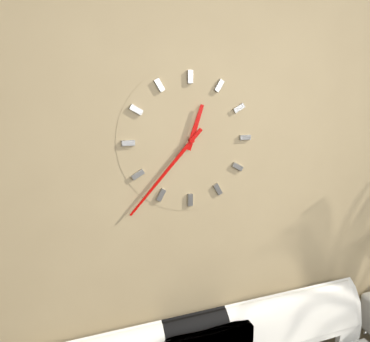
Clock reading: **12:37**
